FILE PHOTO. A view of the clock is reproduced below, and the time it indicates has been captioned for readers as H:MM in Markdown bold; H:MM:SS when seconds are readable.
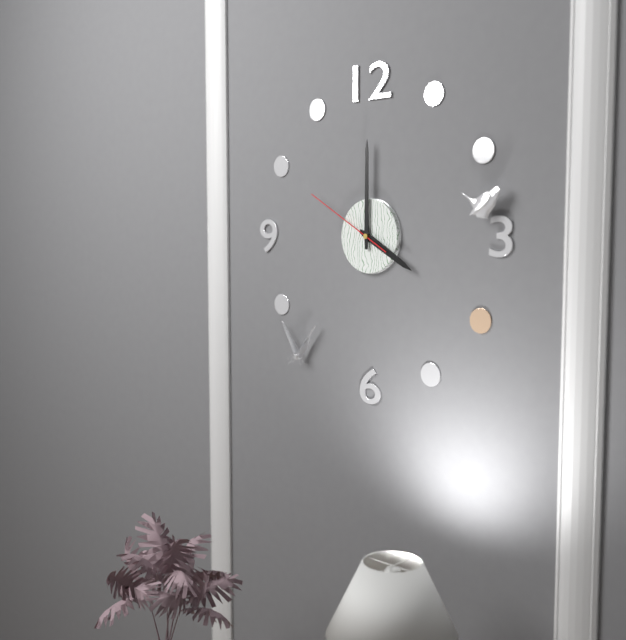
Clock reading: **4:00:50**
